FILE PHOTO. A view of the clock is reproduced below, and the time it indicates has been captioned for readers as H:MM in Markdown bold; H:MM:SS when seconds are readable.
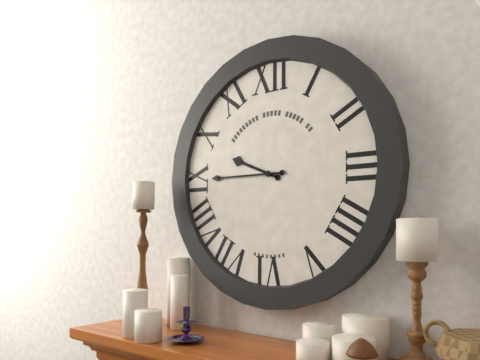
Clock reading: **9:45**
